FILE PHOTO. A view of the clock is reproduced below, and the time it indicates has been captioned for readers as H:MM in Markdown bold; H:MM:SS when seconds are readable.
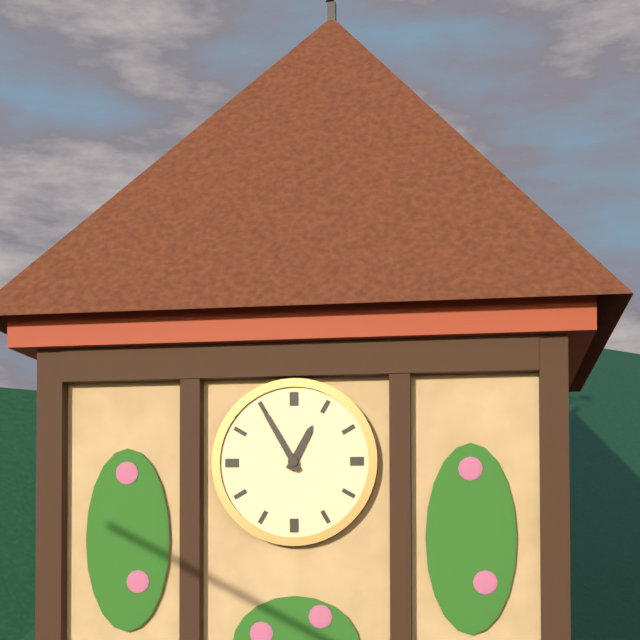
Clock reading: **12:55**
